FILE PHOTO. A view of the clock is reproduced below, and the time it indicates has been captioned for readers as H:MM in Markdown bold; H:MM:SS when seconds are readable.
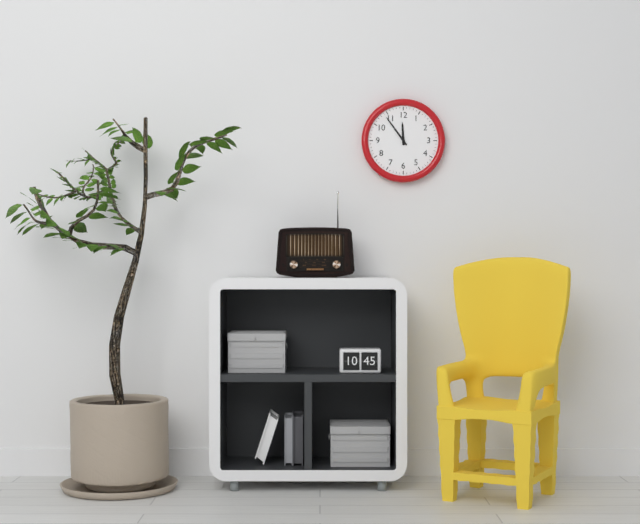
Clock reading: **11:54**
